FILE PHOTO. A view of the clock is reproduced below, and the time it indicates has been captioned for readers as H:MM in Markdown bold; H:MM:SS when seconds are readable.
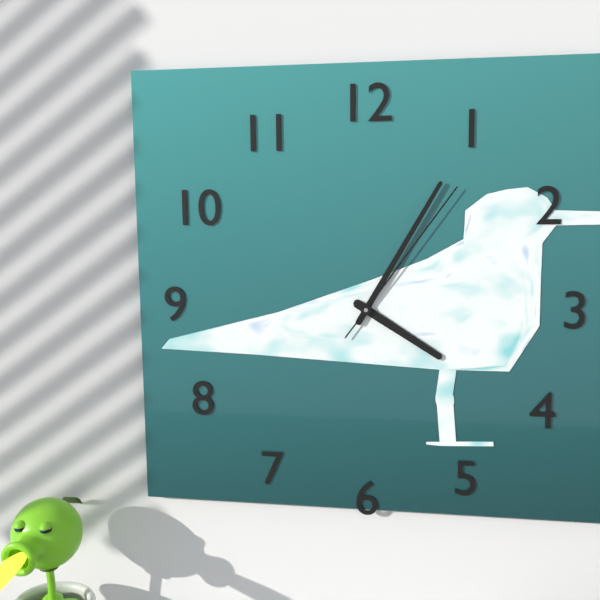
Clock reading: **4:05:06**
